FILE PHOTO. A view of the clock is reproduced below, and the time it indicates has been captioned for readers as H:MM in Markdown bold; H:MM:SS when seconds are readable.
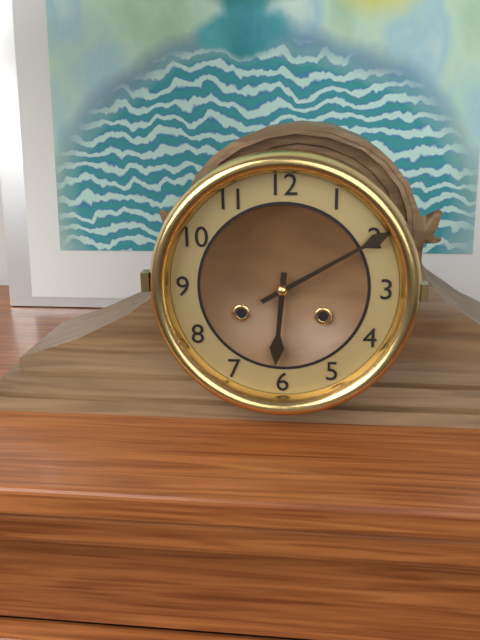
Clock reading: **6:10**
